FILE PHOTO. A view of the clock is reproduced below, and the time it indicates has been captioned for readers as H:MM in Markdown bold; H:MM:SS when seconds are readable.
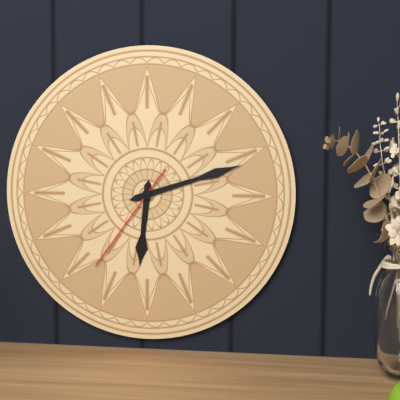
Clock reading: **6:12:36**
